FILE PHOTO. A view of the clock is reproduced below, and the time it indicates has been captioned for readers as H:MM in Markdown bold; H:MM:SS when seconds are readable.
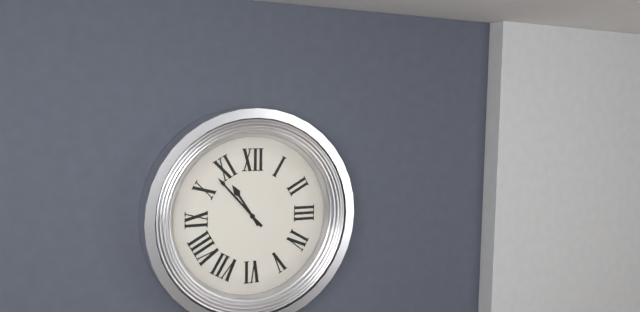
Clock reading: **10:53**
